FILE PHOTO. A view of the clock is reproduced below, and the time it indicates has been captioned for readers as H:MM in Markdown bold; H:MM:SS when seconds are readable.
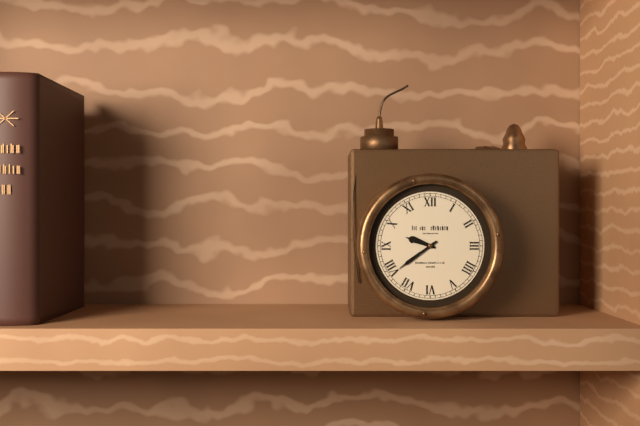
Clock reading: **9:39**
